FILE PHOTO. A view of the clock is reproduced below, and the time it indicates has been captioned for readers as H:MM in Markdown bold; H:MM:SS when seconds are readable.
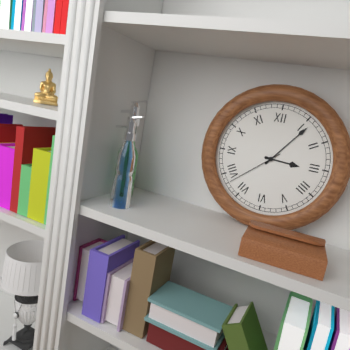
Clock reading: **3:06:38**
